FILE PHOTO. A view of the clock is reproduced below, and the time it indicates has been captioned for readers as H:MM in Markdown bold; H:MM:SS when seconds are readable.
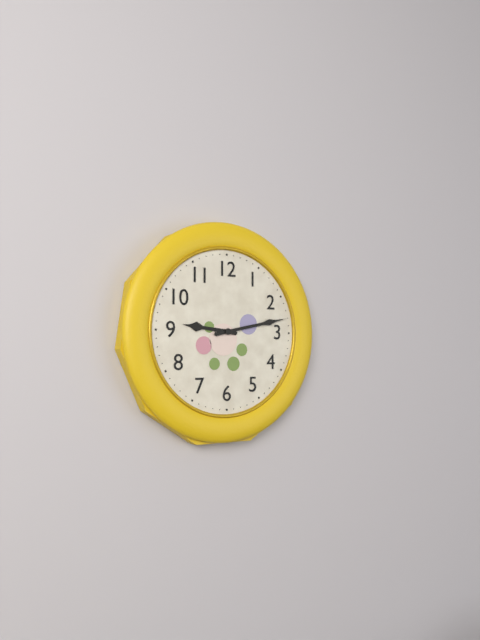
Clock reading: **9:13**
